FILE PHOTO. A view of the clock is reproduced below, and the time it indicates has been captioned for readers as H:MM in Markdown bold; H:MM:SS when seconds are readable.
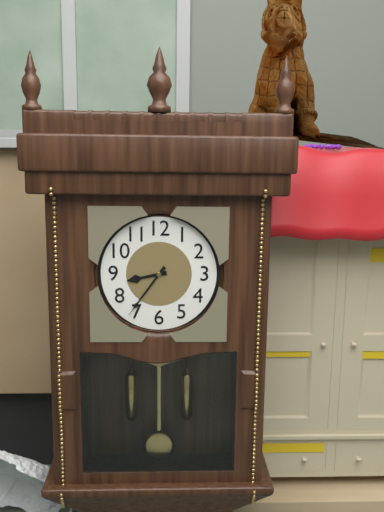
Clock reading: **8:36**
